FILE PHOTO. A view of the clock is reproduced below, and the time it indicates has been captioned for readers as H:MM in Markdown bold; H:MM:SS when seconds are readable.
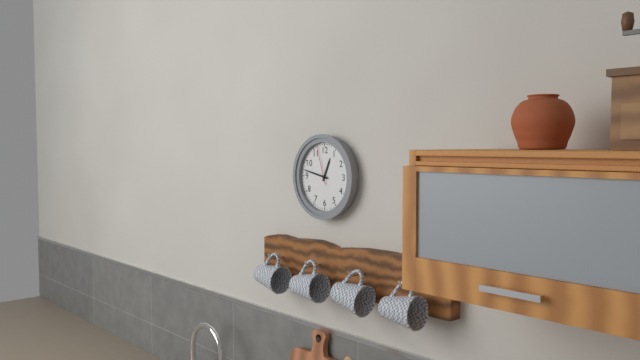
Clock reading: **12:47**
